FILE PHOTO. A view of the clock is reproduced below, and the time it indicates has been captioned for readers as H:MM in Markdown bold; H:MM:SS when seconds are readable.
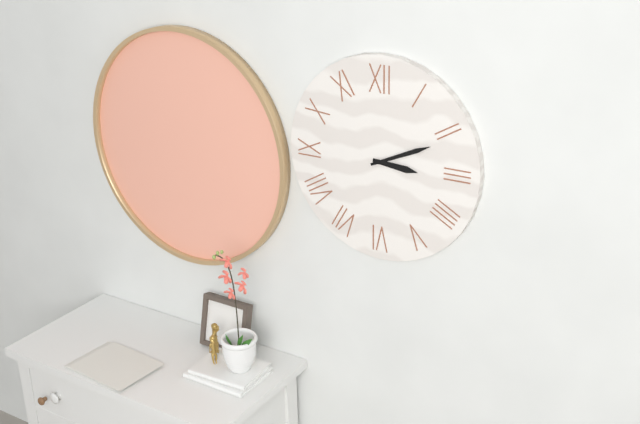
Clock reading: **3:11**
